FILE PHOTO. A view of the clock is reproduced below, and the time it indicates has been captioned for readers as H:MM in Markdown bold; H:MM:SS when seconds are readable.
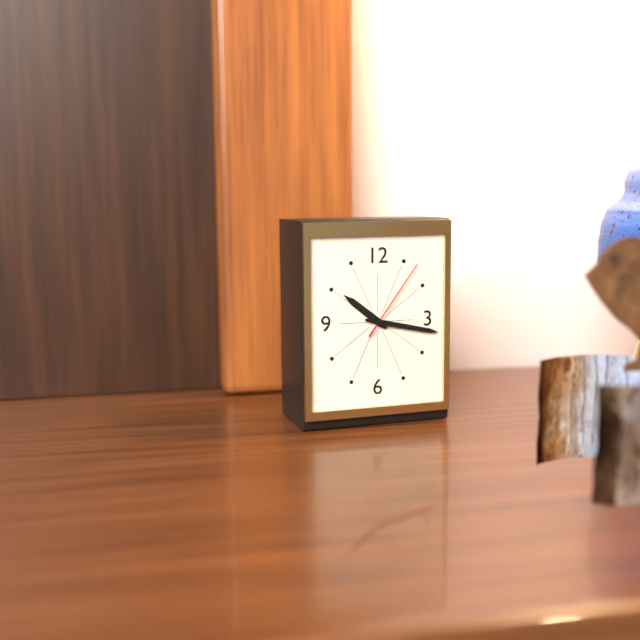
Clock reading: **10:17:06**
